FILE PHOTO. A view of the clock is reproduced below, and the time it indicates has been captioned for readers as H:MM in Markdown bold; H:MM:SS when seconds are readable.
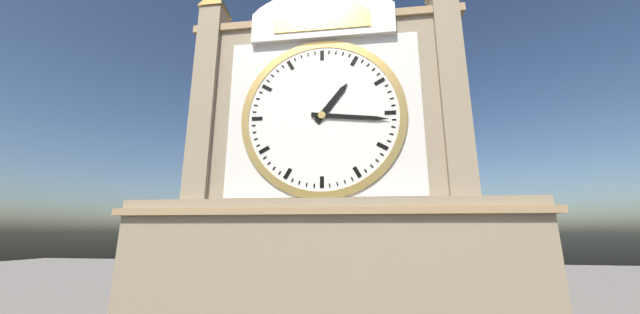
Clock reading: **1:16**
